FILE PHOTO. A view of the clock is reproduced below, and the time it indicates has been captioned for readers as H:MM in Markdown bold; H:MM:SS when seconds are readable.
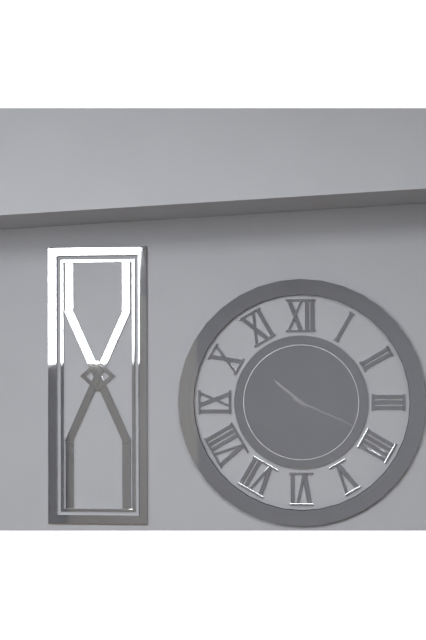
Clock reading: **10:19**
